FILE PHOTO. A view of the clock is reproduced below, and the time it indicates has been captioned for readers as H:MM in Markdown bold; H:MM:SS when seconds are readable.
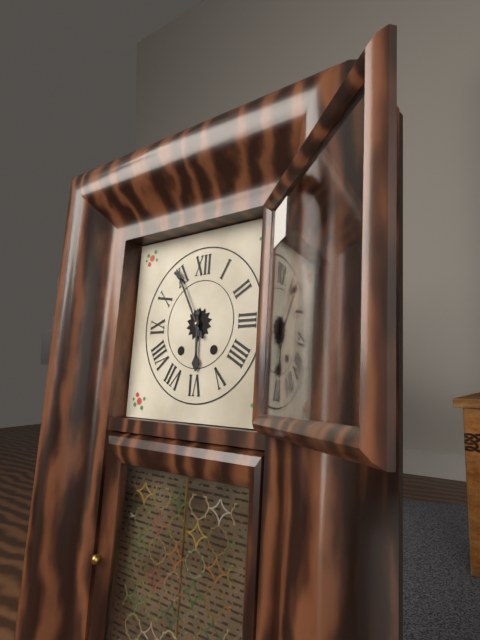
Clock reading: **5:55**
